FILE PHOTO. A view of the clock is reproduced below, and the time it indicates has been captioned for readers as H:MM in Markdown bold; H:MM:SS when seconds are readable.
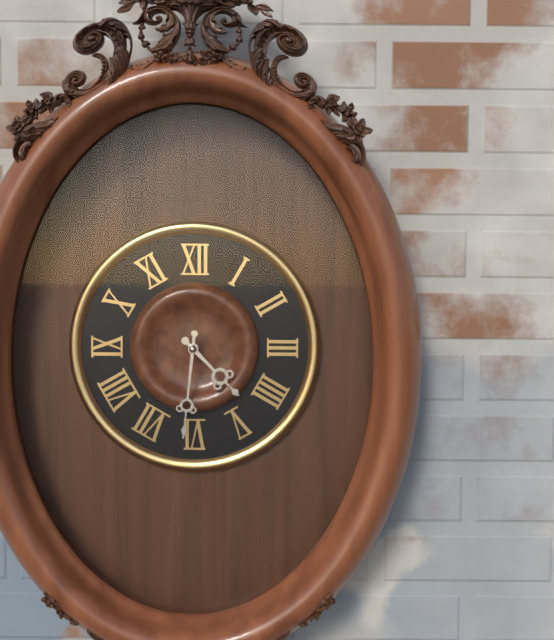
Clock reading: **4:31**
